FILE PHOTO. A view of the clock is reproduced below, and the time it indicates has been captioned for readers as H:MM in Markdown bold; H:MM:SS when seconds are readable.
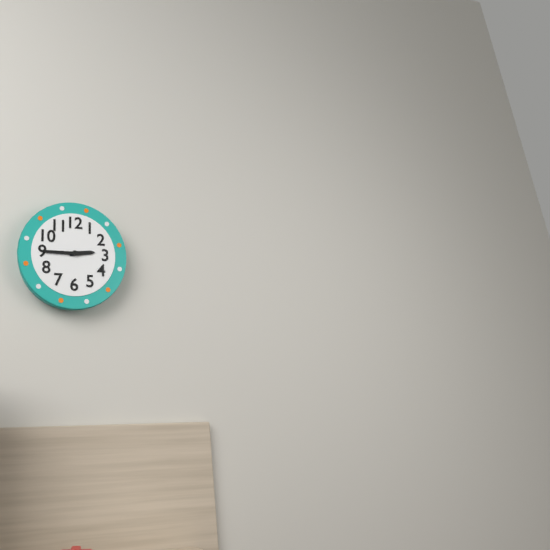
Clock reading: **2:45**
